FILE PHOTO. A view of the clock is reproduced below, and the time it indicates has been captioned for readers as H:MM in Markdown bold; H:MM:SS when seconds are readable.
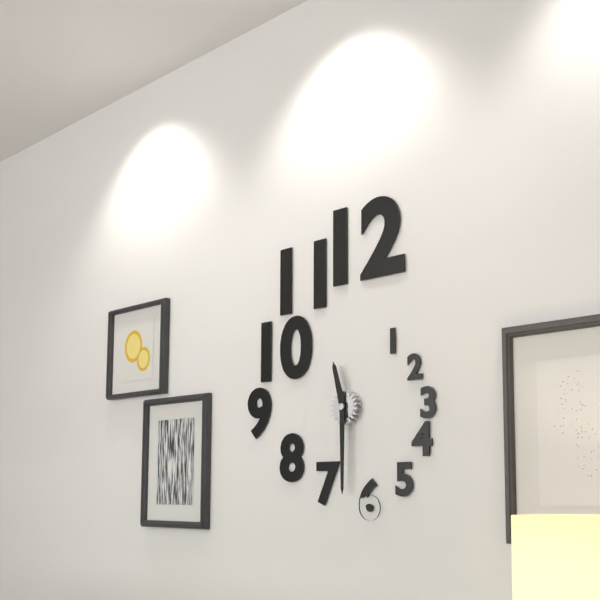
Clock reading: **11:30**
